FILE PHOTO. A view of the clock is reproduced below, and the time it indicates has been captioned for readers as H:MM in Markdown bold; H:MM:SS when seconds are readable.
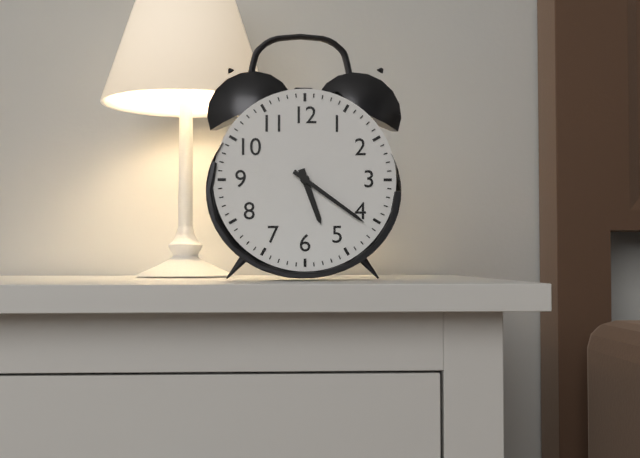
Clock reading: **5:21**
